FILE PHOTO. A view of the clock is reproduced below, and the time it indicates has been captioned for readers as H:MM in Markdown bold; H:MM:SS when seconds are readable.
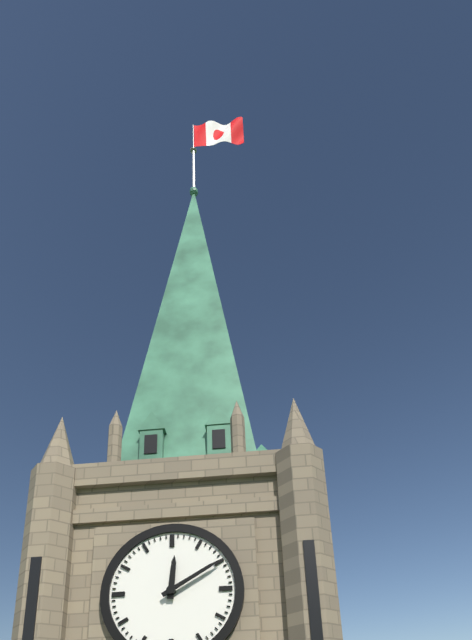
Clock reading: **12:10**
